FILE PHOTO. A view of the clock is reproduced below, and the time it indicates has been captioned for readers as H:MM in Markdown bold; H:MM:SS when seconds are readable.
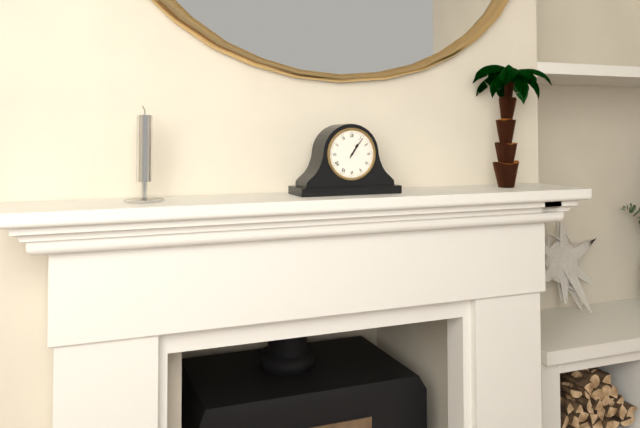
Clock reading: **1:06**
